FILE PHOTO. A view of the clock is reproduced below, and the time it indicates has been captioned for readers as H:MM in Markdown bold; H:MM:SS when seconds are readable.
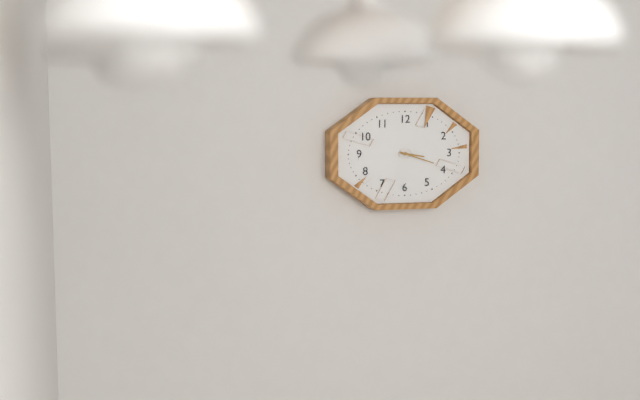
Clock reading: **3:18**
